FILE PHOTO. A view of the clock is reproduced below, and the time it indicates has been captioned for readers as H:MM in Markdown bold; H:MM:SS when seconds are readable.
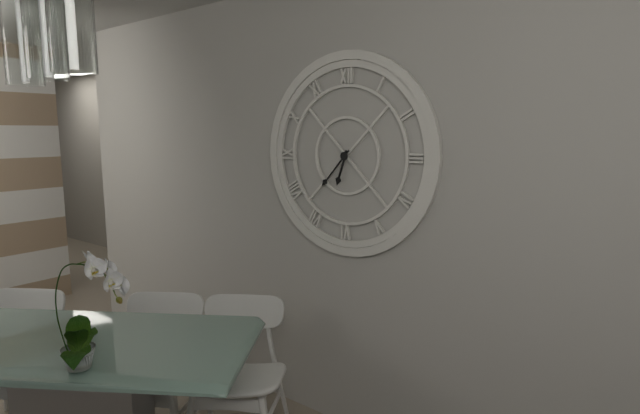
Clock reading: **6:37**
